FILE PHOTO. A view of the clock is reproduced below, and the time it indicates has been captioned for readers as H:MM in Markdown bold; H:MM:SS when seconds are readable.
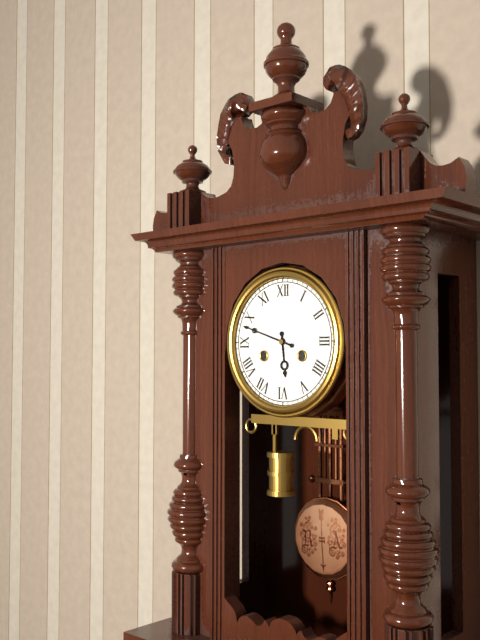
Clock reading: **5:48**
